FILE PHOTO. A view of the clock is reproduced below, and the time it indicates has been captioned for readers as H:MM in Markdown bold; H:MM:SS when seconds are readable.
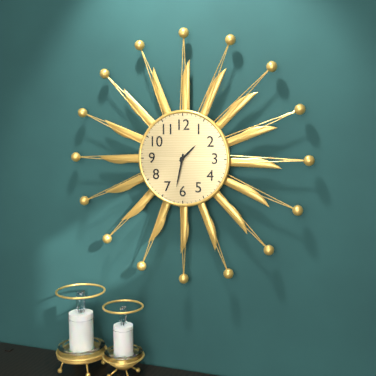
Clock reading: **1:32**
